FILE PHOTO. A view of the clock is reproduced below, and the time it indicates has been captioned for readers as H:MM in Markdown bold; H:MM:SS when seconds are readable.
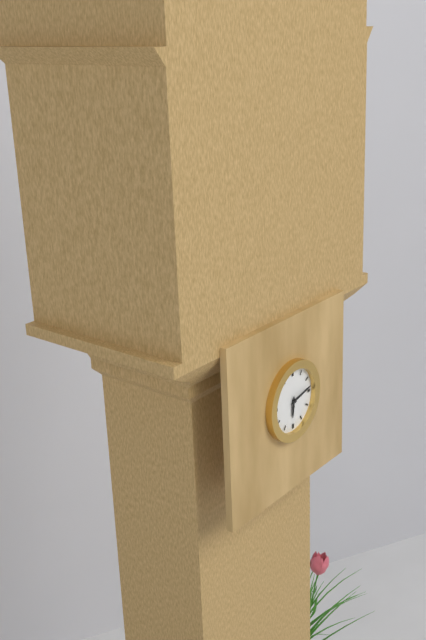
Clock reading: **6:13**
